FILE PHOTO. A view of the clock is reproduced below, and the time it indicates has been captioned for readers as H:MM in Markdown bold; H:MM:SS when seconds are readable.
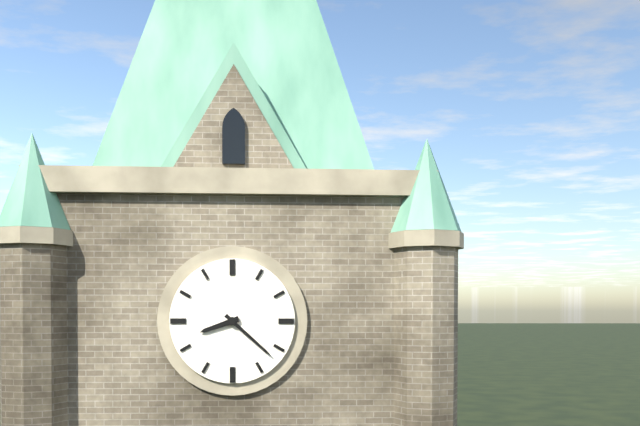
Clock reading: **8:22**
